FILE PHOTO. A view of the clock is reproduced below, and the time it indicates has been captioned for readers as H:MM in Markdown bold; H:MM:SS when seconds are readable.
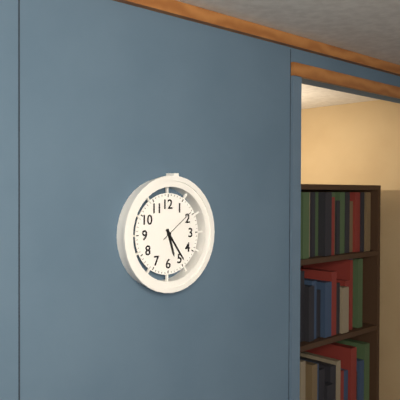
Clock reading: **5:24**
